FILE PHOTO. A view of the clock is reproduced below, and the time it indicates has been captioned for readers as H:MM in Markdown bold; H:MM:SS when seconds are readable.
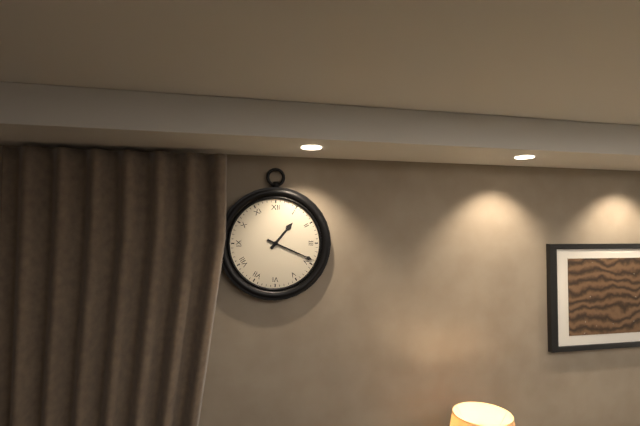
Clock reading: **1:19**
